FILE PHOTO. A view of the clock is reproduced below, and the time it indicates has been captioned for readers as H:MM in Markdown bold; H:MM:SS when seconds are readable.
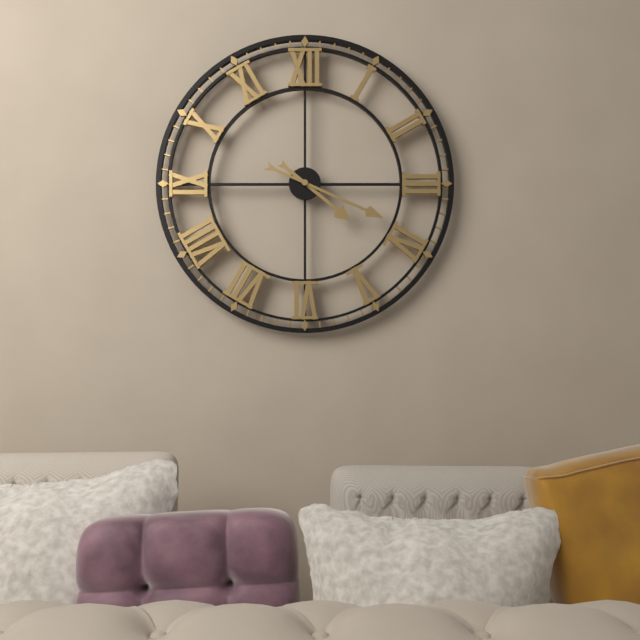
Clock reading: **4:19**
